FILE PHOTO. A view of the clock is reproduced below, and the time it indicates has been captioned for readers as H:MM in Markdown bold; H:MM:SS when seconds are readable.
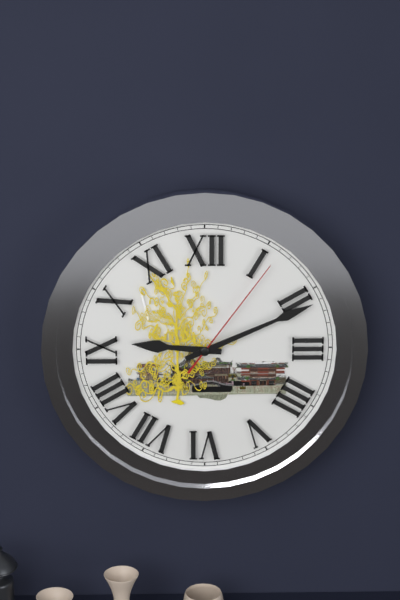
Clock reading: **9:11:06**
